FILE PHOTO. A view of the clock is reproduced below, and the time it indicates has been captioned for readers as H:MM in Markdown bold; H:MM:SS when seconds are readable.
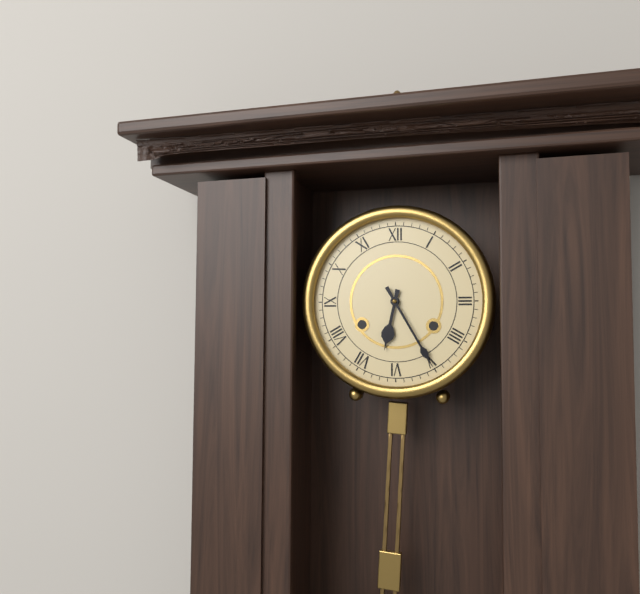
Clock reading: **6:25**
